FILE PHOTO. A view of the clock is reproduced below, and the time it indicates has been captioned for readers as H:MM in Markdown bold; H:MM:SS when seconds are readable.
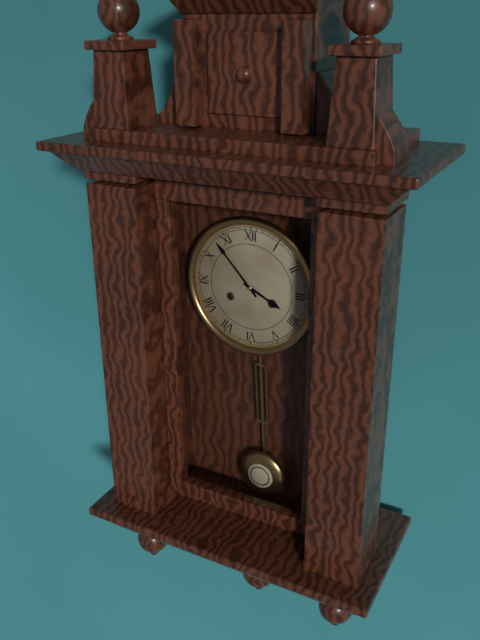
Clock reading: **3:53**
